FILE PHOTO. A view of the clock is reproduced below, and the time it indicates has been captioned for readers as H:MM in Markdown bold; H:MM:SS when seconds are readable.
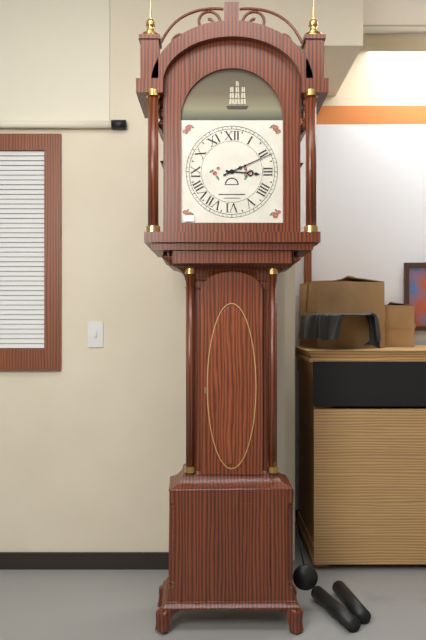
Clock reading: **3:11**
